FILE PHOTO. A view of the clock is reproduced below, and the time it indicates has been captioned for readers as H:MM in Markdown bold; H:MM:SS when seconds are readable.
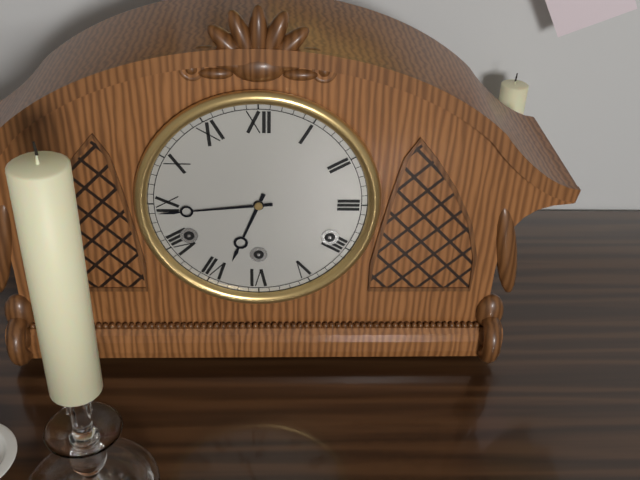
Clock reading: **6:44**
